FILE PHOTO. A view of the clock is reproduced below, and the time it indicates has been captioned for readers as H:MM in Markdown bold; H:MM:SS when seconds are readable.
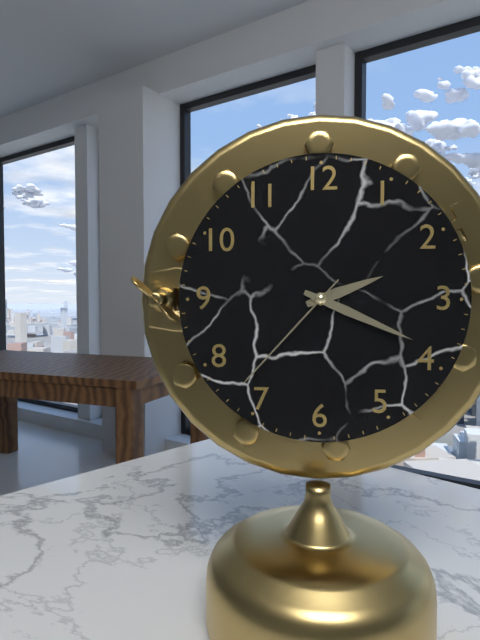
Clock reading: **2:19:37**
